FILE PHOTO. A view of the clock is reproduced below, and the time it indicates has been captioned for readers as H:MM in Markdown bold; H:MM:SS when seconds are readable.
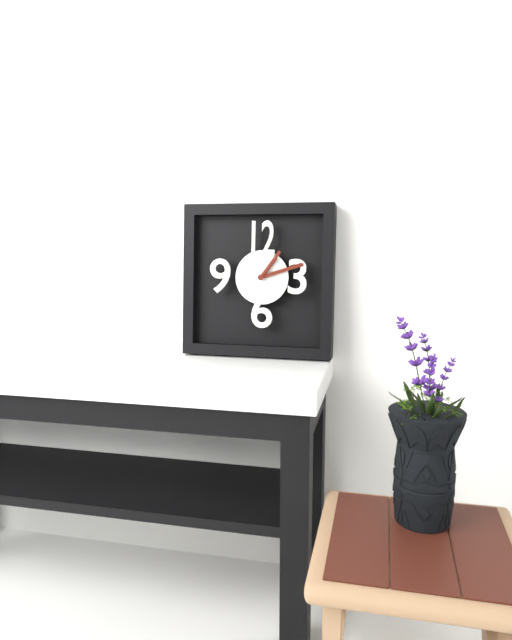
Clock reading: **1:12**
